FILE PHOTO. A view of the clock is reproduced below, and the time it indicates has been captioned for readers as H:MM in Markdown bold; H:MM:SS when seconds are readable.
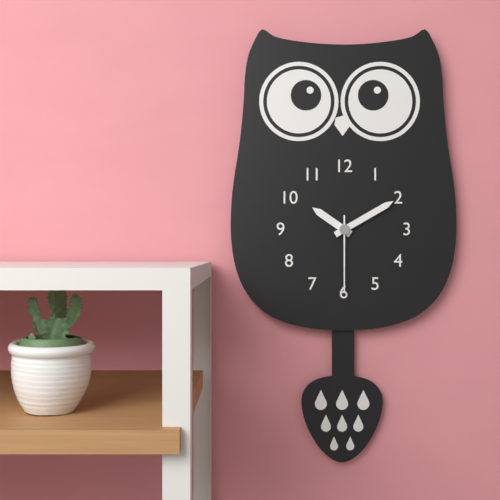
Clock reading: **10:10:30**
